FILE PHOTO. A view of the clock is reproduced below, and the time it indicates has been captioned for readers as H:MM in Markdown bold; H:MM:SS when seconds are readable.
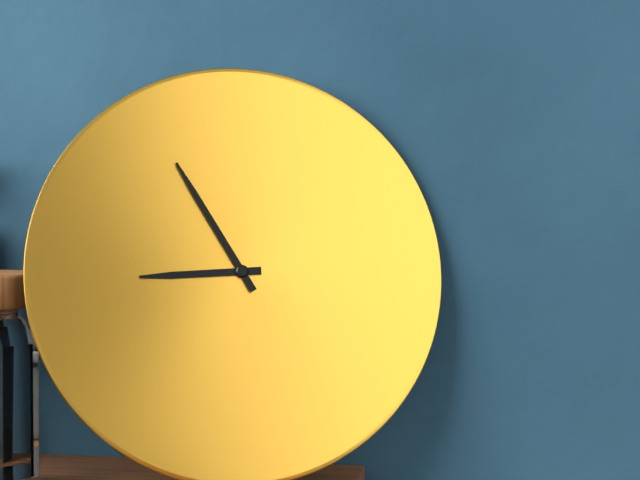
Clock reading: **8:55**
